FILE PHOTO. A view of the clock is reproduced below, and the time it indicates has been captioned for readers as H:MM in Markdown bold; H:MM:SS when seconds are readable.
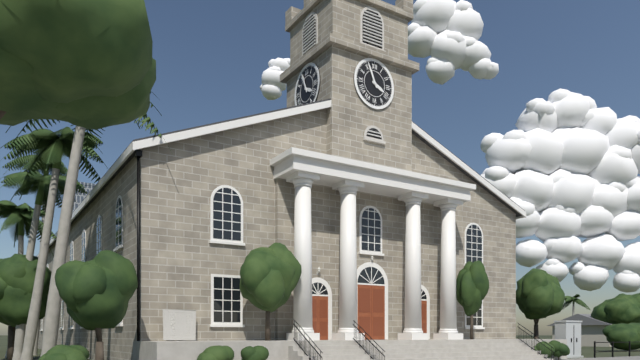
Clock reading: **3:56**
